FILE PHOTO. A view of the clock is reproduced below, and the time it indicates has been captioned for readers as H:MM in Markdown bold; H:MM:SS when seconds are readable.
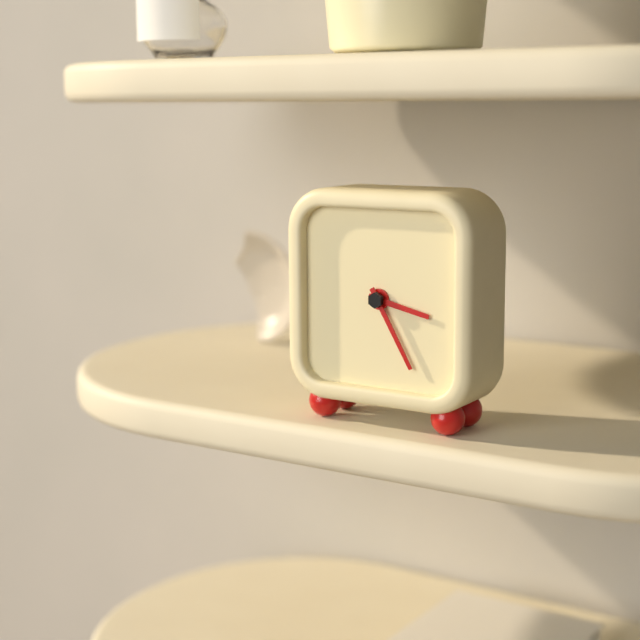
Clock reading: **3:25**
